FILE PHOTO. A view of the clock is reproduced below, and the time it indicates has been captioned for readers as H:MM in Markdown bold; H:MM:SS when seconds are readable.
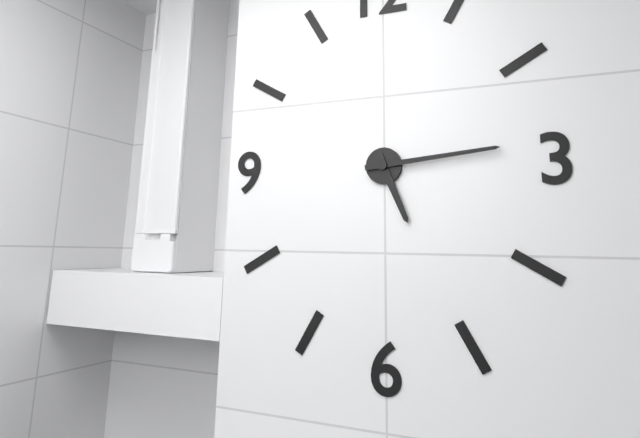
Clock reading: **5:14**
